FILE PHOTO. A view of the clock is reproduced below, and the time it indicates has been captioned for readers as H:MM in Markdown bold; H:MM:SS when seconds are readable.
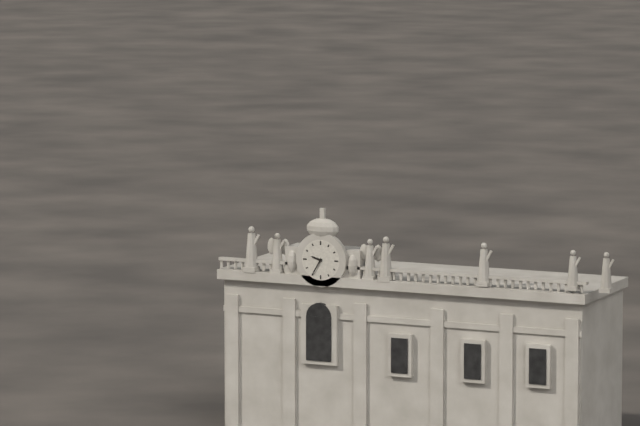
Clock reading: **9:35**
